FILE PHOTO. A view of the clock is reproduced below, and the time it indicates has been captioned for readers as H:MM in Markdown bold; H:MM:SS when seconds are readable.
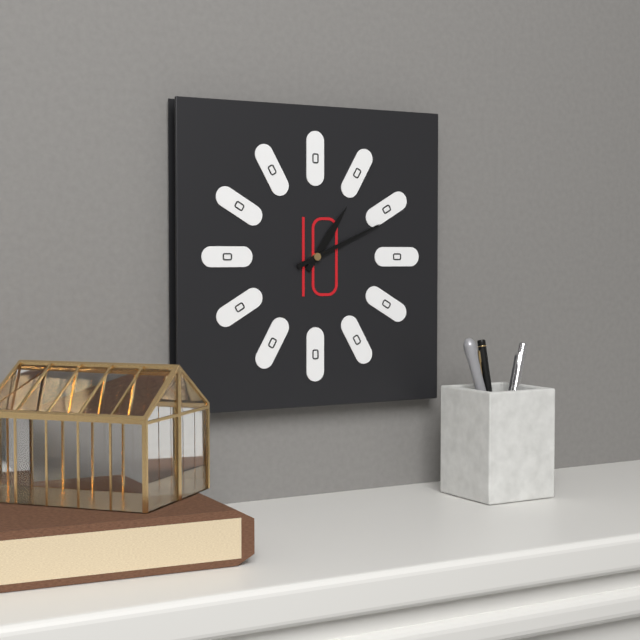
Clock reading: **1:11**
